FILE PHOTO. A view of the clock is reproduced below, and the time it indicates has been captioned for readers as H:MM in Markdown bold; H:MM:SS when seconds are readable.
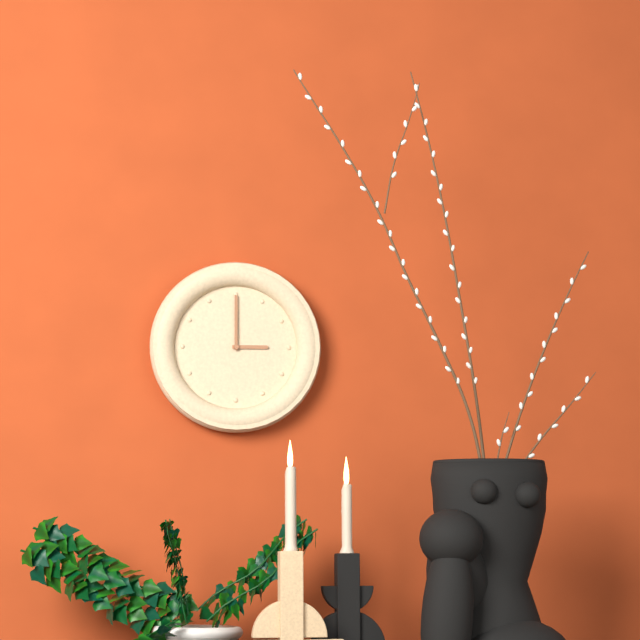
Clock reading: **3:00**
